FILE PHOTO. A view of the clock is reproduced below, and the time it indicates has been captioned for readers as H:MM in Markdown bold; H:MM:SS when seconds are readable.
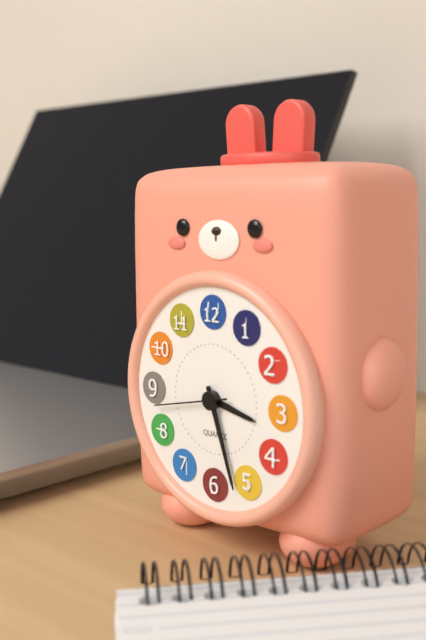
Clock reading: **3:27:43**
